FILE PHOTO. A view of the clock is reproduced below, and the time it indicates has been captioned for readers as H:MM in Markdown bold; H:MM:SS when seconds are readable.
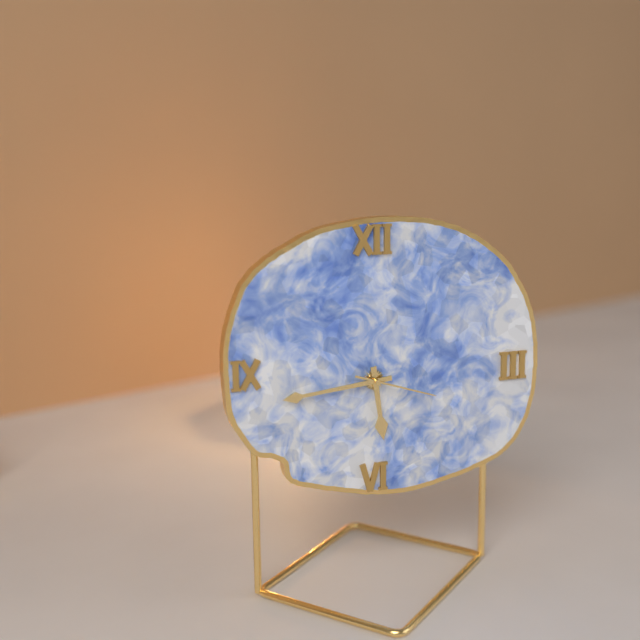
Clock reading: **5:44:18**
